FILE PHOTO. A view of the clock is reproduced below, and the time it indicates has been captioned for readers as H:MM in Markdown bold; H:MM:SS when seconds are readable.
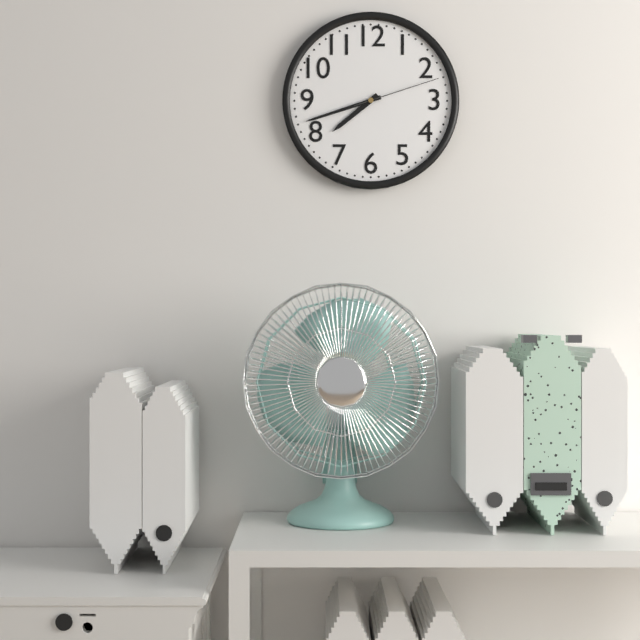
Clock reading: **7:42:12**
